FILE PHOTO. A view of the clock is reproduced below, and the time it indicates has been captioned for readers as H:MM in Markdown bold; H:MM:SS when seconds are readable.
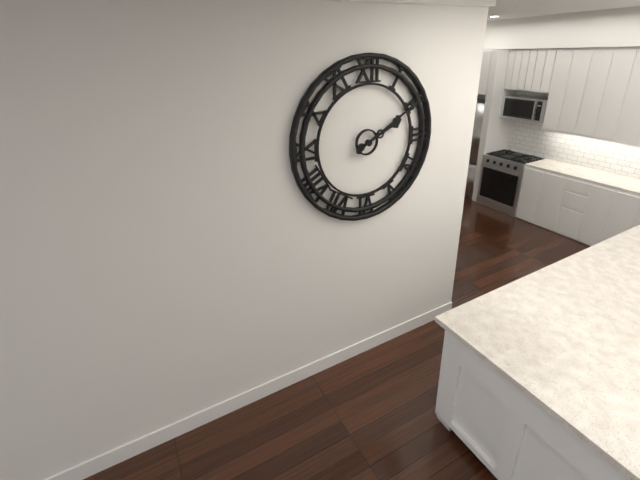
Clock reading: **2:10**
